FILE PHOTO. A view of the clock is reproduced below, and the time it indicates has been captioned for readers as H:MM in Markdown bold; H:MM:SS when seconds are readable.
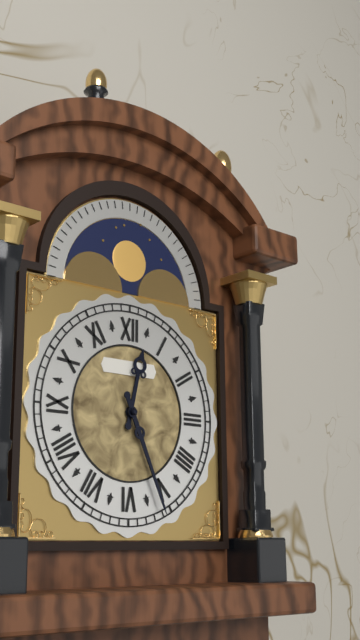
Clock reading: **12:26**
